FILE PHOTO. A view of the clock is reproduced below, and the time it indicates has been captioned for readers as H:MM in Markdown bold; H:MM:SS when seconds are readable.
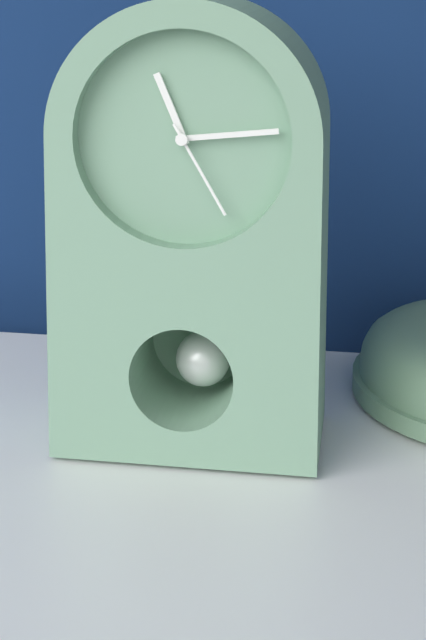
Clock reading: **11:14:25**
